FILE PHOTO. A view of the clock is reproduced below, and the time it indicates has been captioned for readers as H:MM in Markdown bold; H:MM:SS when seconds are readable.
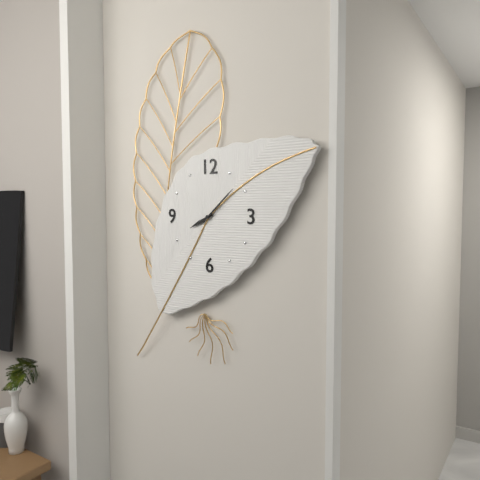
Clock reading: **8:08**
